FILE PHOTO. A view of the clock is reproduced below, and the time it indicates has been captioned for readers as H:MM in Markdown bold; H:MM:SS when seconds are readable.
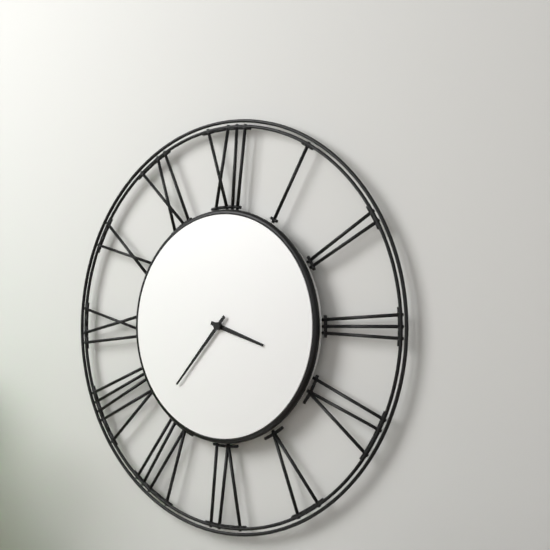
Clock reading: **3:37**
